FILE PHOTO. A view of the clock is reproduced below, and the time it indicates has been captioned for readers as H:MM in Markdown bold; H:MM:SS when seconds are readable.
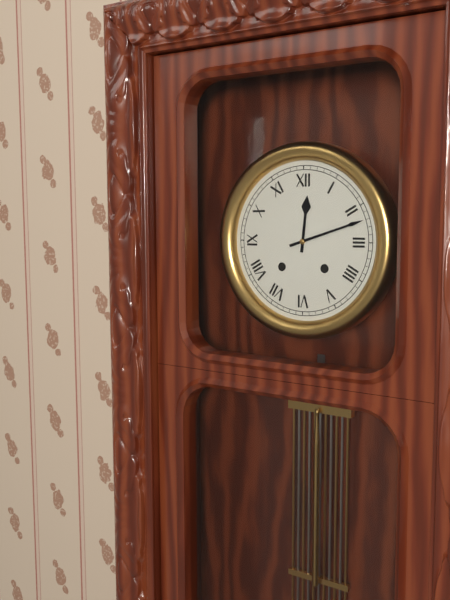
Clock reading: **12:12**
